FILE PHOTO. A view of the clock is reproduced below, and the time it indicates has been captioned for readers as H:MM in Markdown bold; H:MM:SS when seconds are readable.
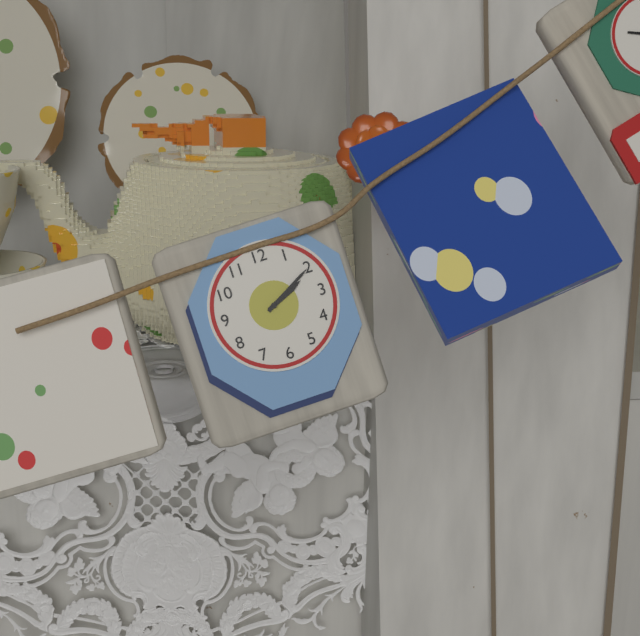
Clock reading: **2:10**
